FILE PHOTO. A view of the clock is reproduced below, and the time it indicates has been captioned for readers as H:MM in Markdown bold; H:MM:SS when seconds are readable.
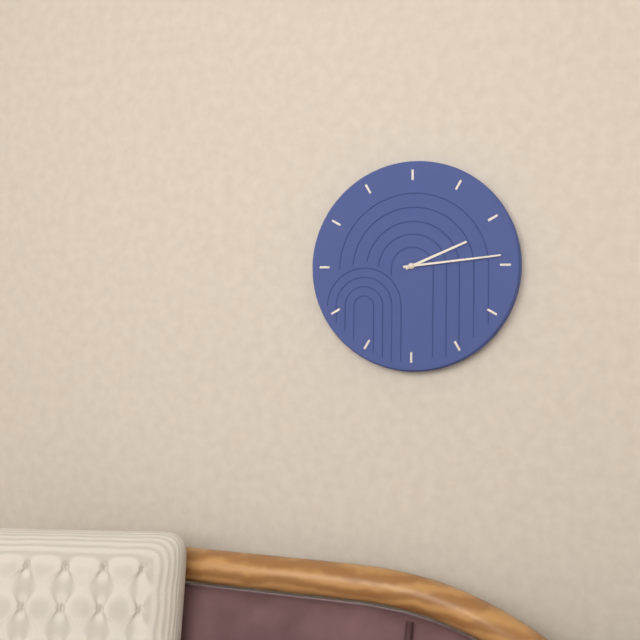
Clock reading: **2:14**
